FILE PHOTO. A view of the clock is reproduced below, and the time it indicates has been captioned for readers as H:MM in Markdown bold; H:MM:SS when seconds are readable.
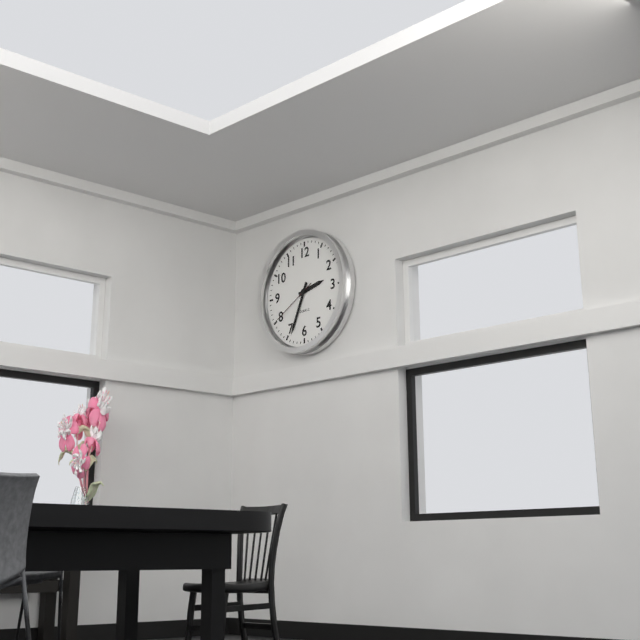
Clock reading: **2:34:40**
